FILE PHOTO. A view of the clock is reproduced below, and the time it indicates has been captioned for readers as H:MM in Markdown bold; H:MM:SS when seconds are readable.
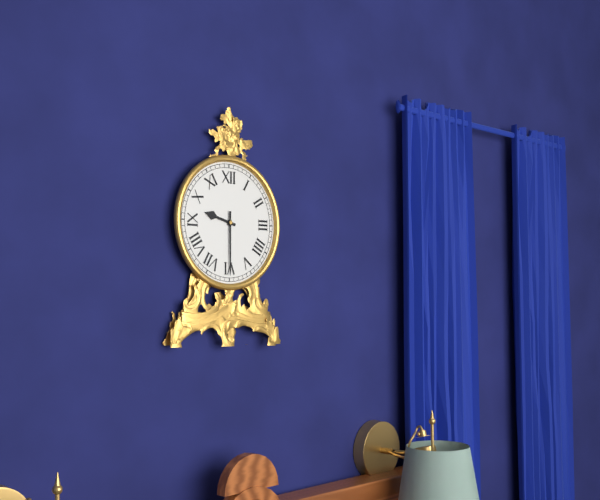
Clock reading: **9:30**
